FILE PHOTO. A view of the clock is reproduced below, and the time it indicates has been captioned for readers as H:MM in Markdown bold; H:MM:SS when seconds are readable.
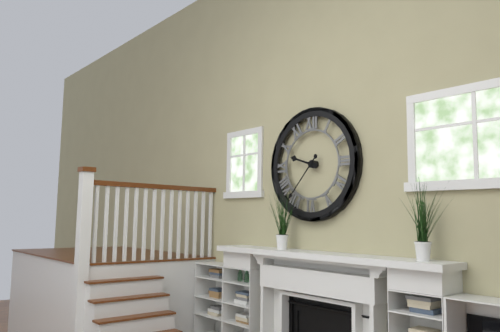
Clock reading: **9:37**
